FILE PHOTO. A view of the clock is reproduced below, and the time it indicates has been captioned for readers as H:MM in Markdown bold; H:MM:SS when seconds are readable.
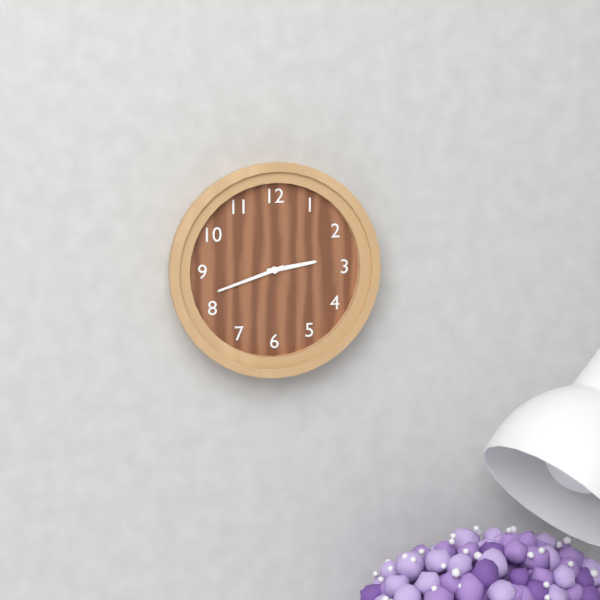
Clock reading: **2:42**
